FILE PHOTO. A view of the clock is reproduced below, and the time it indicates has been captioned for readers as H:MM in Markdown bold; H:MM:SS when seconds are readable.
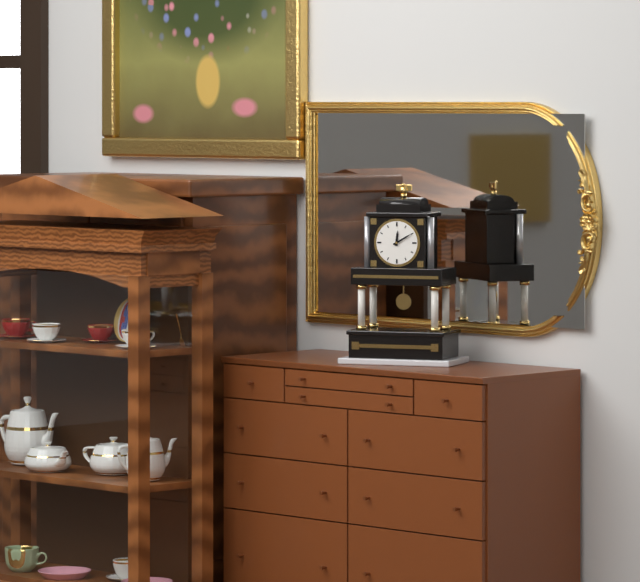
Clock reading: **12:10**
